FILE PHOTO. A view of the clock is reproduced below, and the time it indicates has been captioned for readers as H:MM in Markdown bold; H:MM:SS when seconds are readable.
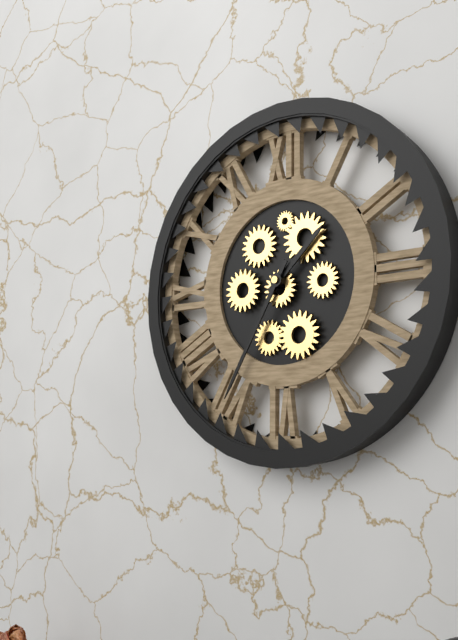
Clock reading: **1:35**
